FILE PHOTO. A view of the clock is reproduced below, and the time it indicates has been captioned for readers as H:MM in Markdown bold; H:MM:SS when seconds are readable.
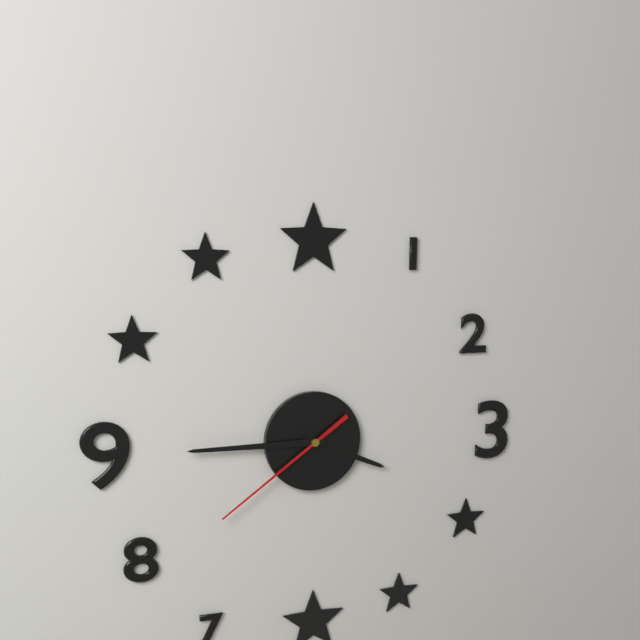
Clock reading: **3:45:39**
